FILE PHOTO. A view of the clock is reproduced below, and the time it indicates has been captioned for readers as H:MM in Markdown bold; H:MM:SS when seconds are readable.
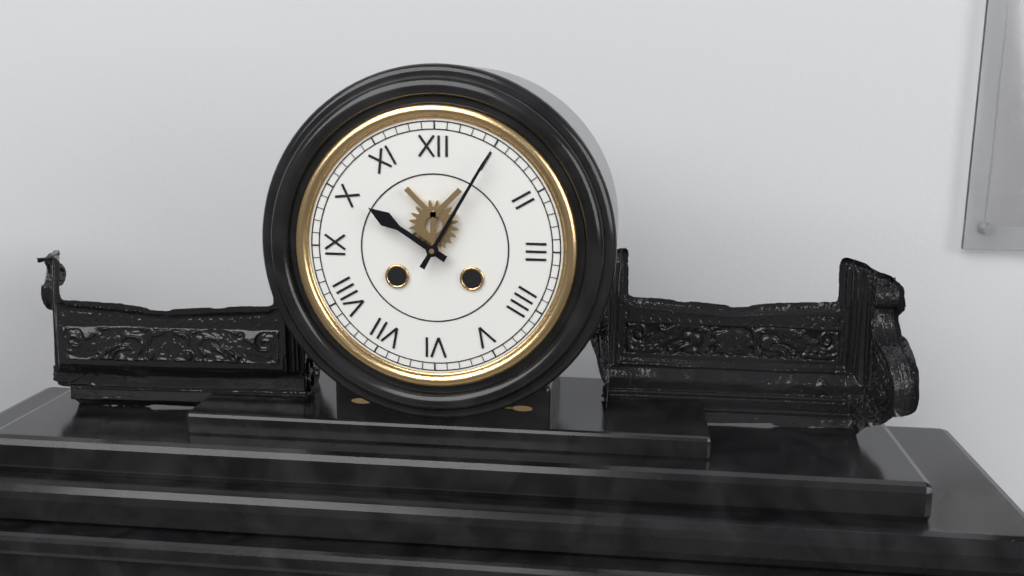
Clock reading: **10:05**
